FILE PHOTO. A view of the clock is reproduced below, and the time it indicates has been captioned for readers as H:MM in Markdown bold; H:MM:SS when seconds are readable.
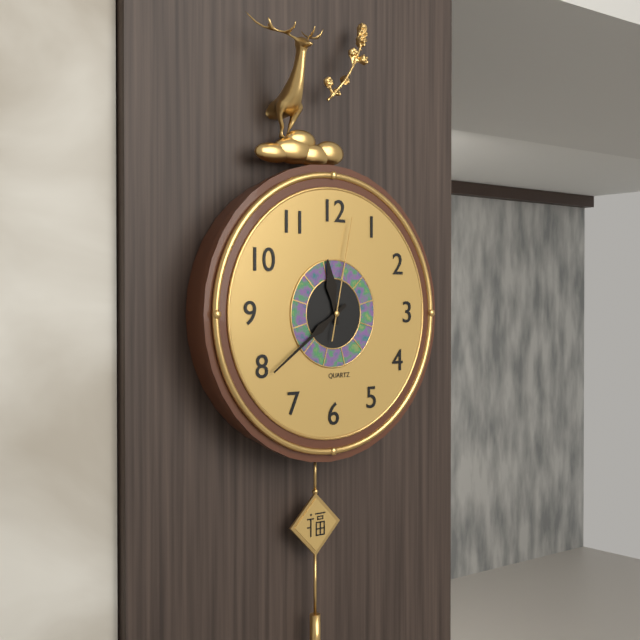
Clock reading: **11:39:02**
